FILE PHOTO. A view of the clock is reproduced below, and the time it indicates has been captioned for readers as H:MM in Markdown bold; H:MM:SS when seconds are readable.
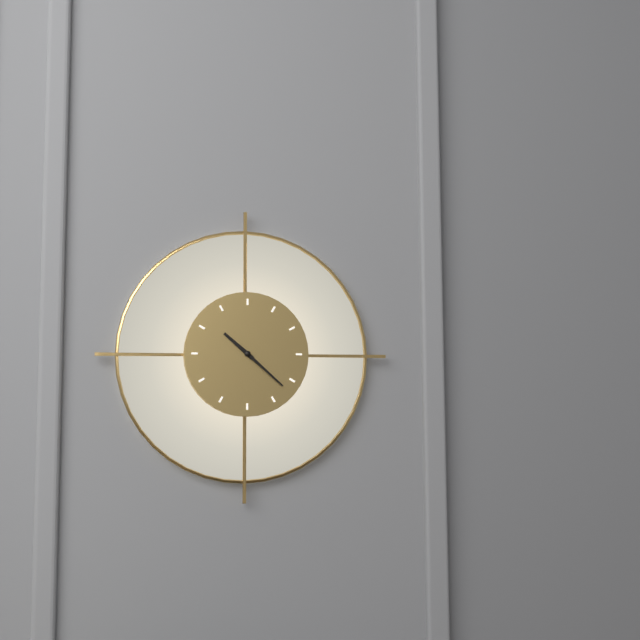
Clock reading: **10:22**
